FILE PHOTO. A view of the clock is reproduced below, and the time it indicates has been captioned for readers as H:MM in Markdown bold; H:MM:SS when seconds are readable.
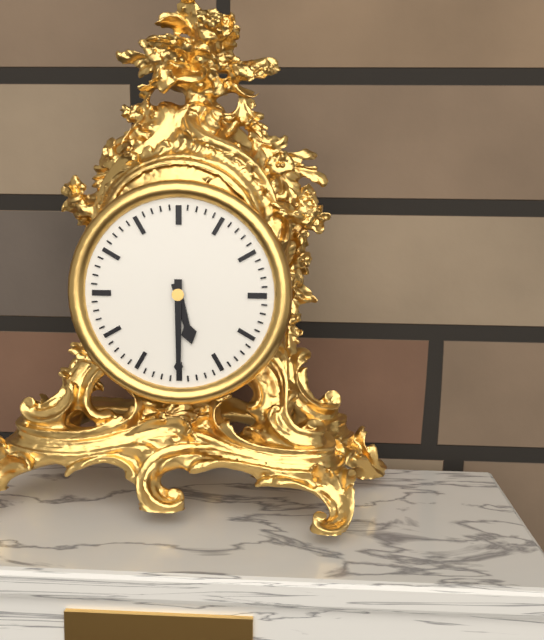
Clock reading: **5:30**
